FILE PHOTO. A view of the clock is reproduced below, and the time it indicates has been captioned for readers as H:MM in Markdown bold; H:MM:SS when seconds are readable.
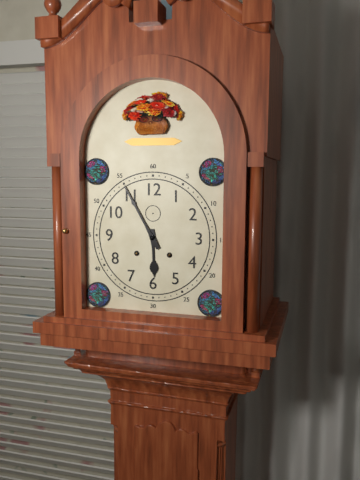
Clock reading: **5:55**
